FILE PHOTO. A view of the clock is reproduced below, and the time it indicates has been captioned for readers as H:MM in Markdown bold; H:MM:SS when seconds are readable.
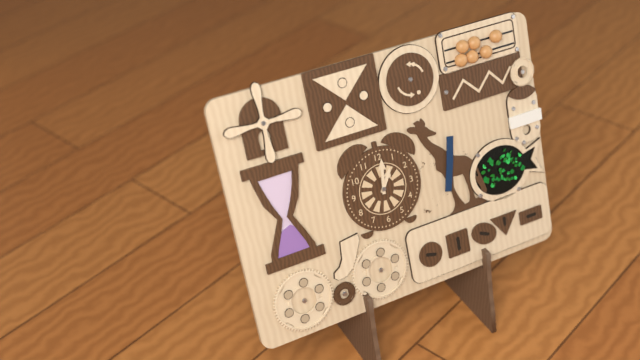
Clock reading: **1:01**
